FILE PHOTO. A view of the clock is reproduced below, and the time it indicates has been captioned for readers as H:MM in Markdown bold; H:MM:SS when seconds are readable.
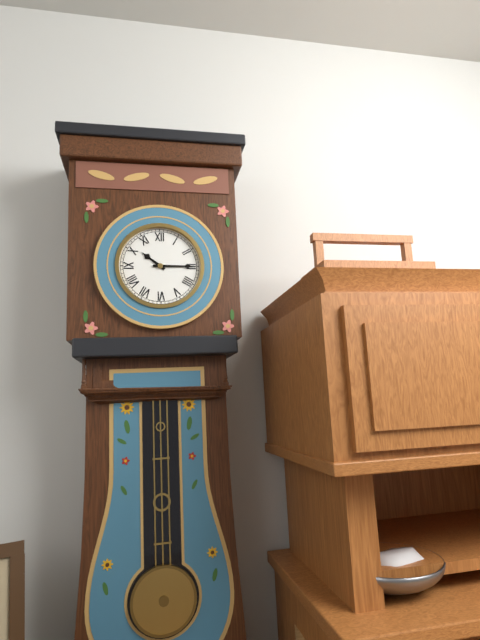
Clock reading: **10:15**
